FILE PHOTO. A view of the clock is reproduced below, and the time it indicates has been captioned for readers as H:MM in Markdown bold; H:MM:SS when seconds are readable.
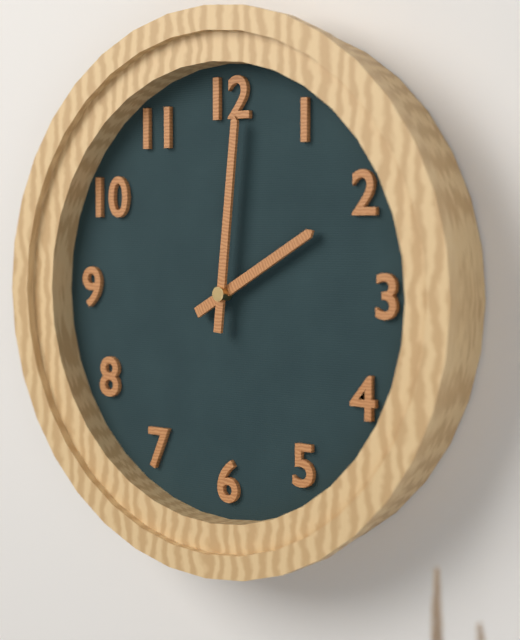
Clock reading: **2:01**
